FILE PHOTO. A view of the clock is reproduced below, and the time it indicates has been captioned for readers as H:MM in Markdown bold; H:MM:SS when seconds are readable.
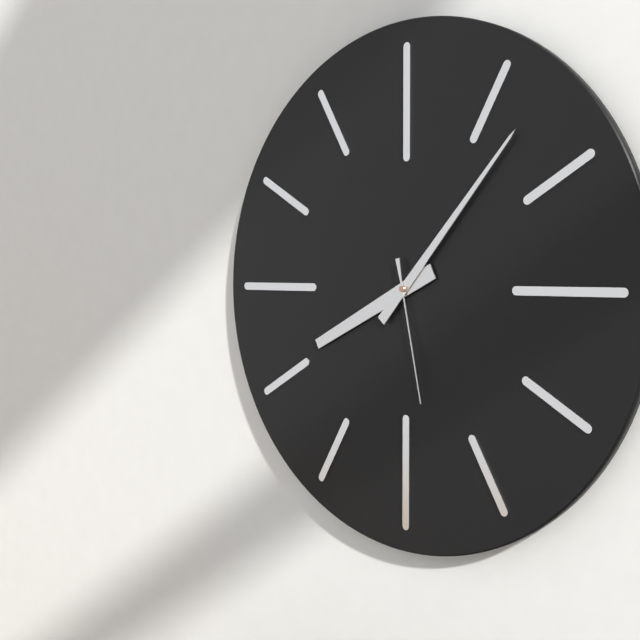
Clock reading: **8:07:28**
